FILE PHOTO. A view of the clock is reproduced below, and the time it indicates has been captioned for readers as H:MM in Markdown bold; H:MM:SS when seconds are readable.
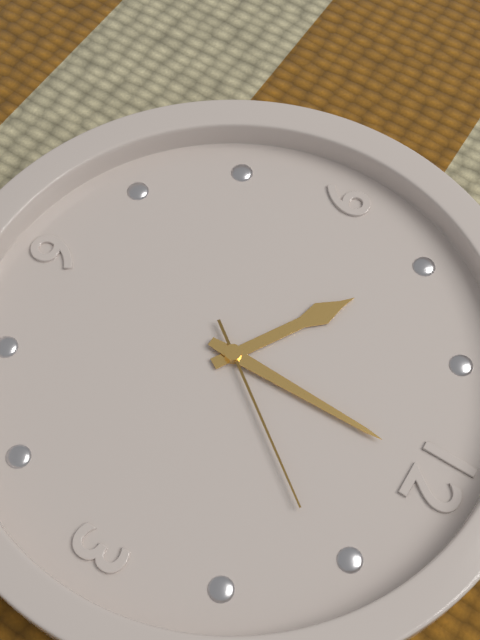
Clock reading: **10:00:06**
